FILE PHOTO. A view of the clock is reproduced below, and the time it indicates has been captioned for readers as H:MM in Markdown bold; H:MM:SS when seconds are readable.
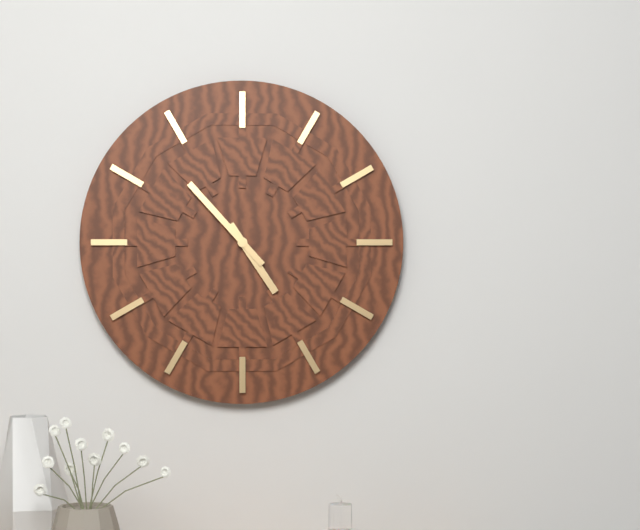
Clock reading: **4:53**
